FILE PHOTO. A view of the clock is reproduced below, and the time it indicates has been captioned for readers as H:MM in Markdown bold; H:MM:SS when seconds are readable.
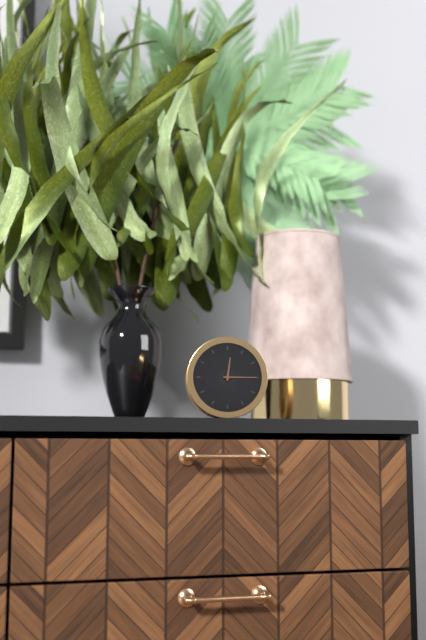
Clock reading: **12:15**
